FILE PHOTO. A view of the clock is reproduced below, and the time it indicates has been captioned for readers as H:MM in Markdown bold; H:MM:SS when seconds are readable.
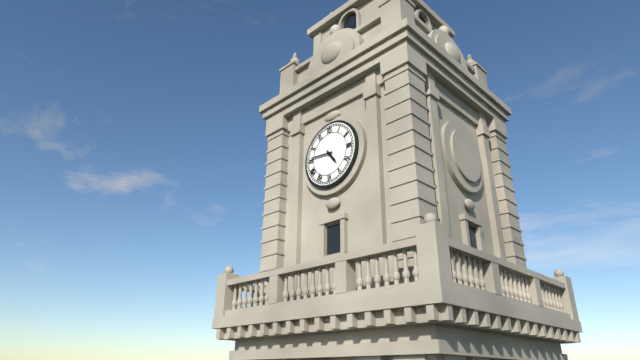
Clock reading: **4:46**
